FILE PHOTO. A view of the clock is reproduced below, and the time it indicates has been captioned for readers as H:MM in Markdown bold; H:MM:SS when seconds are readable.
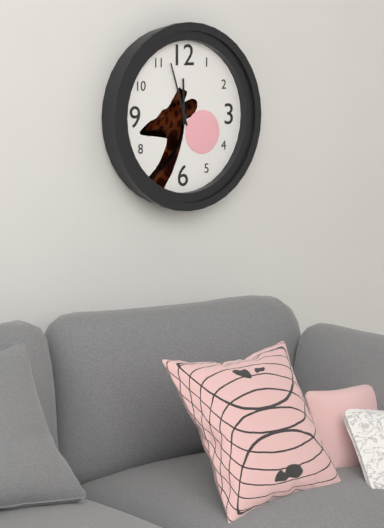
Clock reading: **11:57**
